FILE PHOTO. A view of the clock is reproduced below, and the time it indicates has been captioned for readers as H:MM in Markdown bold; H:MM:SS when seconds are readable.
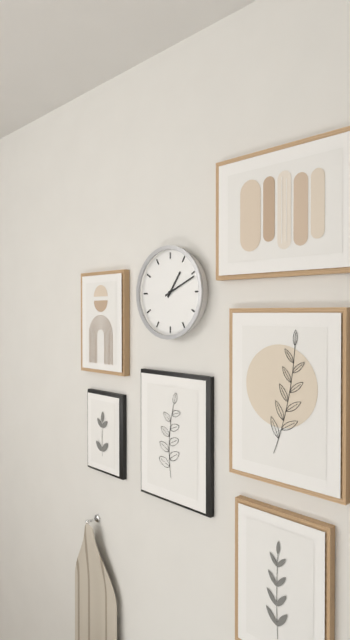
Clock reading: **1:11**
